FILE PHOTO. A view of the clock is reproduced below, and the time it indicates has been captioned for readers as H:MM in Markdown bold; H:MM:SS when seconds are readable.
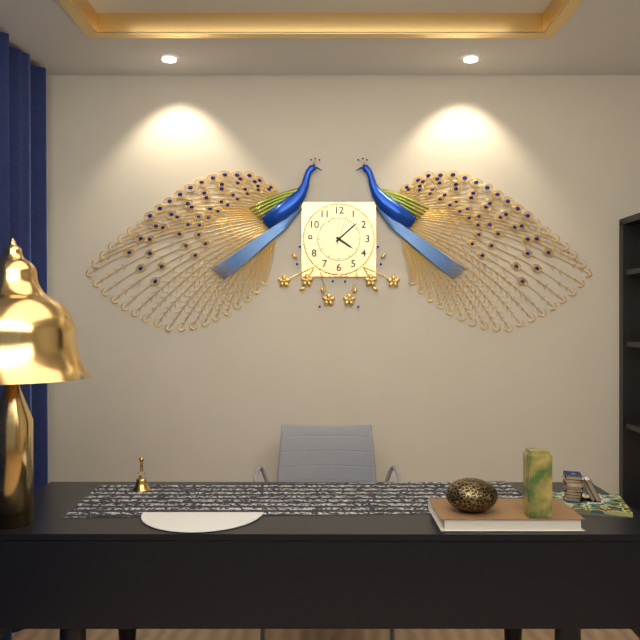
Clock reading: **4:08**
